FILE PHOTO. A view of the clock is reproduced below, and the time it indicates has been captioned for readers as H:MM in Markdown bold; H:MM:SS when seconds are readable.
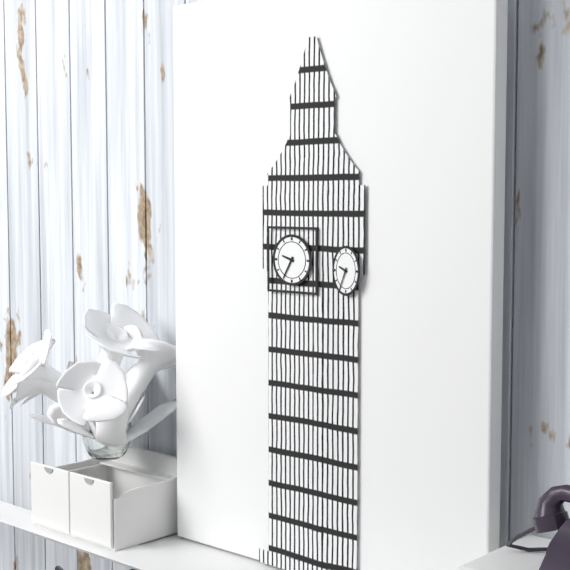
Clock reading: **9:35**
